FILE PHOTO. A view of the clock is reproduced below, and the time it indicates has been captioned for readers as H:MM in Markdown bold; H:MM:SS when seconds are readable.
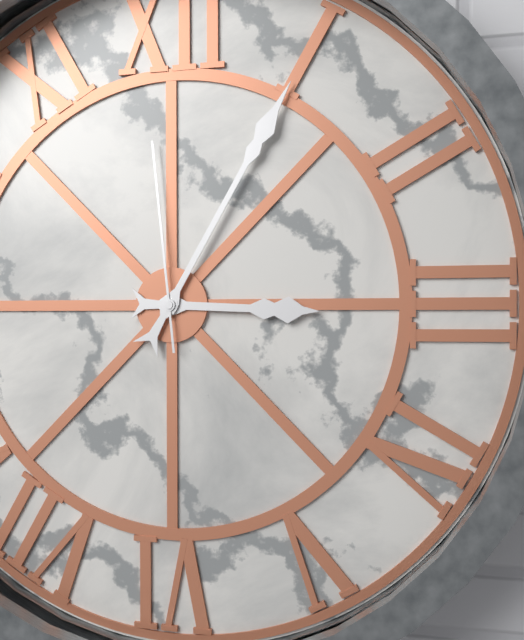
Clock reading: **3:05:59**
